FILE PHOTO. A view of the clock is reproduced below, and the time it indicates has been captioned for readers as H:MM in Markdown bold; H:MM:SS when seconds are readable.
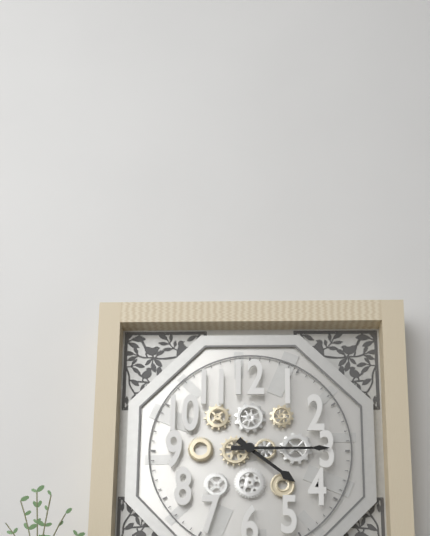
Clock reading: **4:15**
